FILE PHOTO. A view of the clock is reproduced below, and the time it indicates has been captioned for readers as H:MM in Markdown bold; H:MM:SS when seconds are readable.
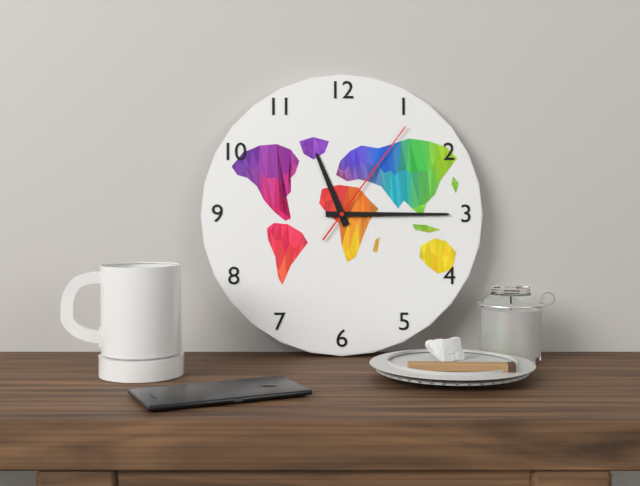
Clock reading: **11:15:06**
